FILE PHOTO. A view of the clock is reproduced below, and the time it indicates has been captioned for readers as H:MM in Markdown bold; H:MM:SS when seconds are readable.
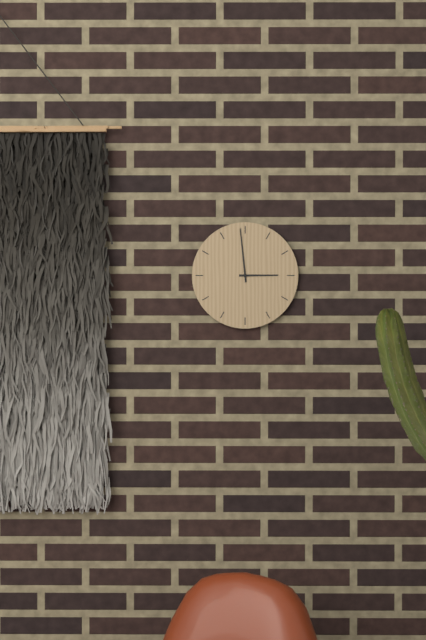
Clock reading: **2:59**
